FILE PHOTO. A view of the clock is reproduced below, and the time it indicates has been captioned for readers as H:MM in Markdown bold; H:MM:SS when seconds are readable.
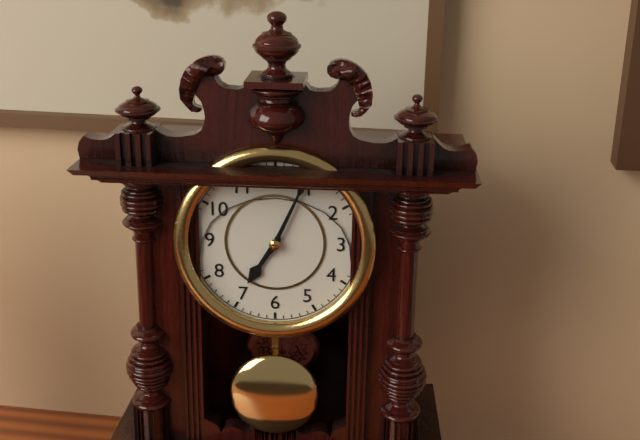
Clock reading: **7:04**
